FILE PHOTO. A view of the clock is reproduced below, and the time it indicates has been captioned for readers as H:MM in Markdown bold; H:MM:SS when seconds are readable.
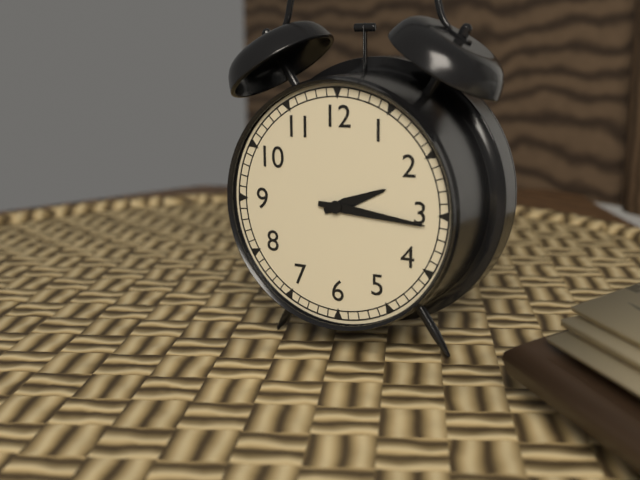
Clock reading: **2:16**
